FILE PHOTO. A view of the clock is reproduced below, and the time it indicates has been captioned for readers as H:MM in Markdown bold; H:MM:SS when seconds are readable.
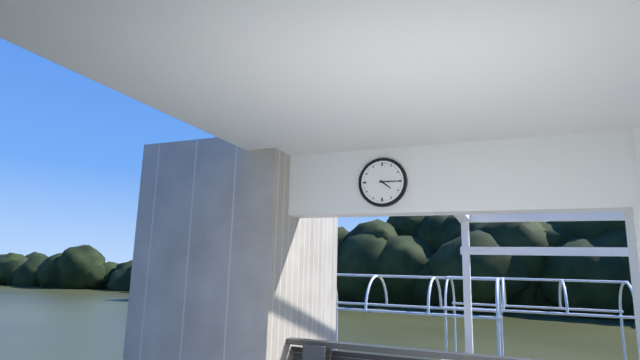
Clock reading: **4:15**
